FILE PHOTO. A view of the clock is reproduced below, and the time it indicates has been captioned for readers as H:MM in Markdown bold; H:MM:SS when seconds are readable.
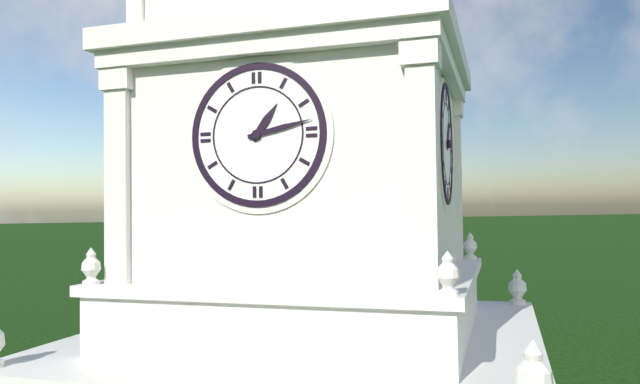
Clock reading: **1:13**
